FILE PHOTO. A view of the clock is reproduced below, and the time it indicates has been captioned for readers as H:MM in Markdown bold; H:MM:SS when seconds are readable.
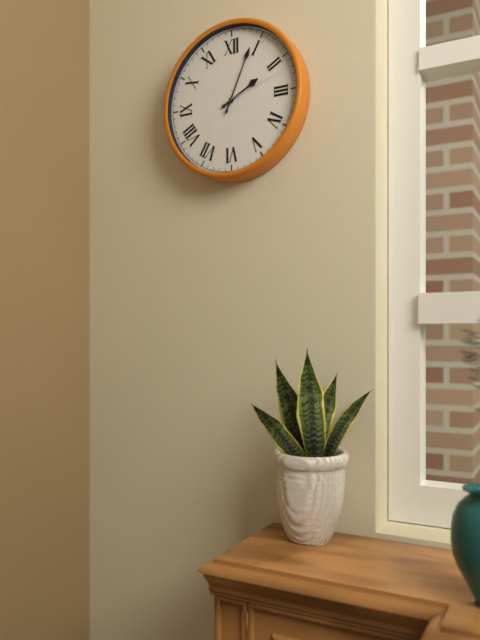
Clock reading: **2:04:12**
